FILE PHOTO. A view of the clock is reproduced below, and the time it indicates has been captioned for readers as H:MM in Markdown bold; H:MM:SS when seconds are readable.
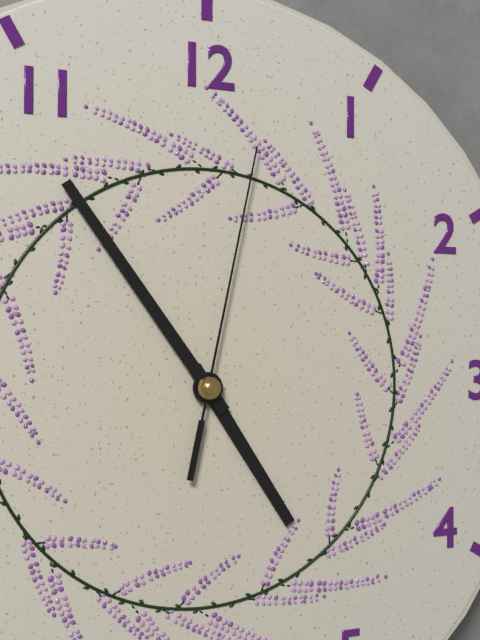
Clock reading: **4:54:02**
